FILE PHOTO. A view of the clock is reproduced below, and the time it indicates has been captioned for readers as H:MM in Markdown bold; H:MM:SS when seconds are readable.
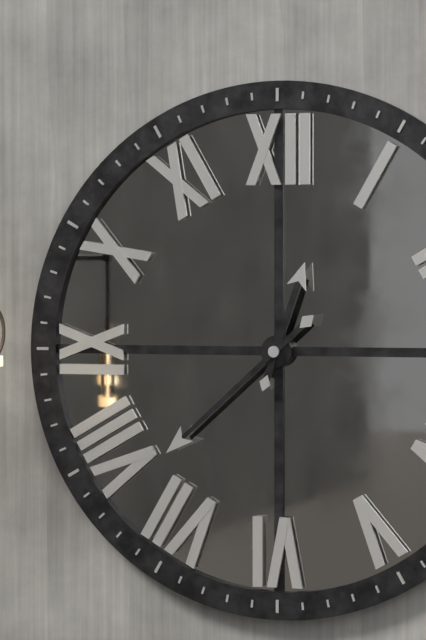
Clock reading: **12:38**
